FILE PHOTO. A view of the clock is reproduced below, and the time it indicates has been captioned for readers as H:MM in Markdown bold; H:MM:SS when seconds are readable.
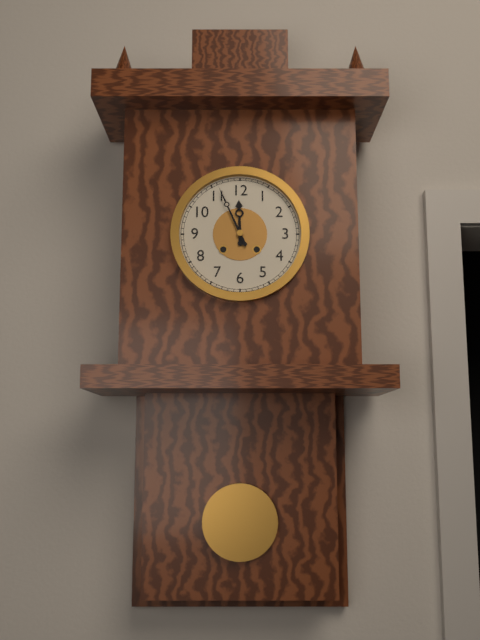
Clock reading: **11:56**
